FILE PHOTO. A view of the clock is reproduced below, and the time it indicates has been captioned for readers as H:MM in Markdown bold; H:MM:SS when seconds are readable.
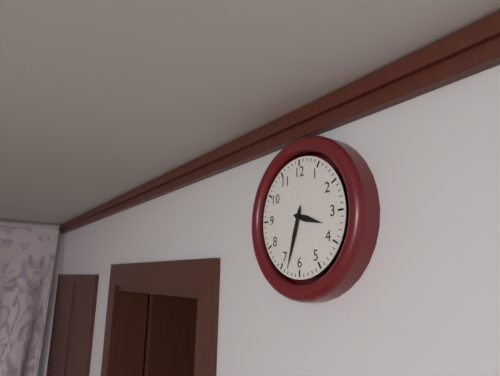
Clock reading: **3:33**
